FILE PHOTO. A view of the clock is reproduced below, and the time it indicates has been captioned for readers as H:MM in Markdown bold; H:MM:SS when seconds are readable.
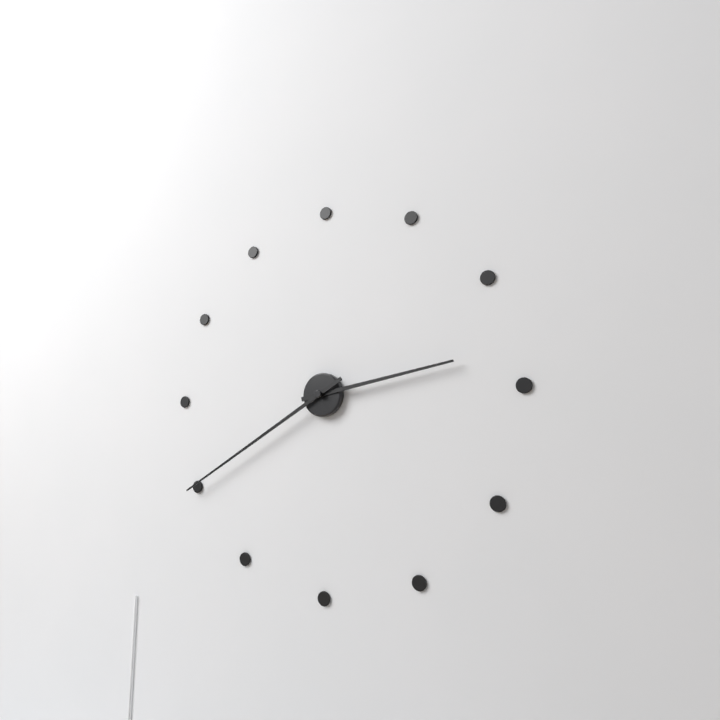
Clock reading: **2:40**
